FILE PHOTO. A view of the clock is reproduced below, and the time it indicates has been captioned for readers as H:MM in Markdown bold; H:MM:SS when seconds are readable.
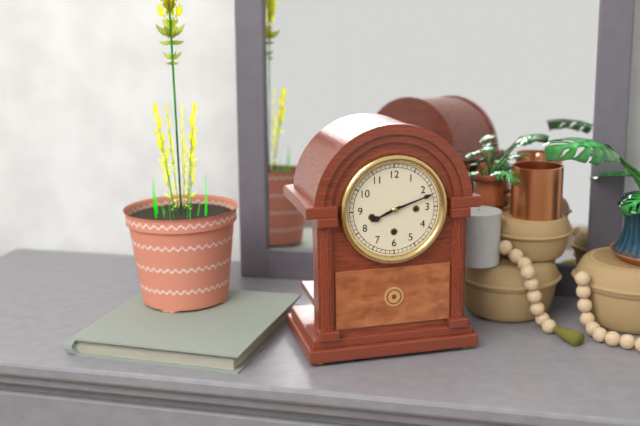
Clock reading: **8:12**
